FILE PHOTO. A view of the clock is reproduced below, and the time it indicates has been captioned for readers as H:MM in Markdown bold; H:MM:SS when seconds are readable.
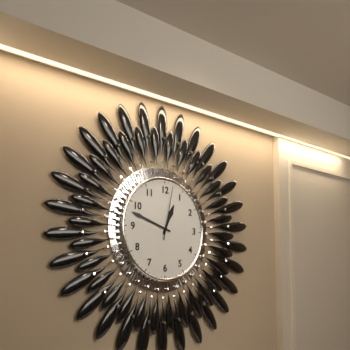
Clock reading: **12:48:02**
